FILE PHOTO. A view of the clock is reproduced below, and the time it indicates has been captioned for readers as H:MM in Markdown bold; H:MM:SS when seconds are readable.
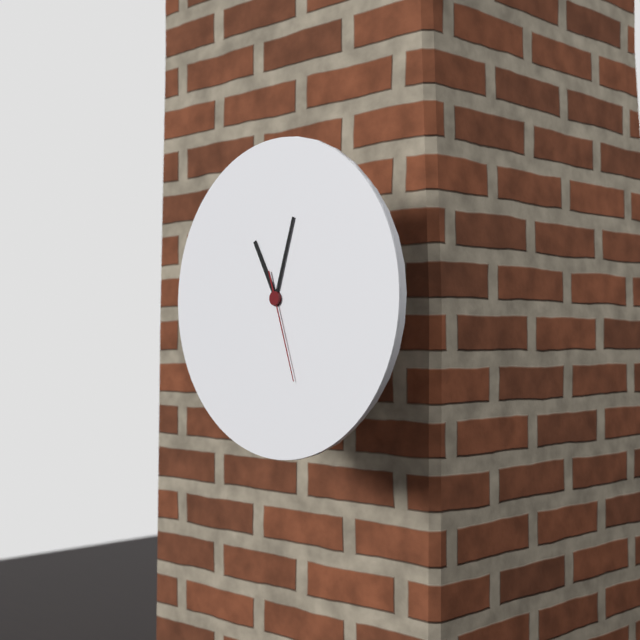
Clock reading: **11:03:27**
